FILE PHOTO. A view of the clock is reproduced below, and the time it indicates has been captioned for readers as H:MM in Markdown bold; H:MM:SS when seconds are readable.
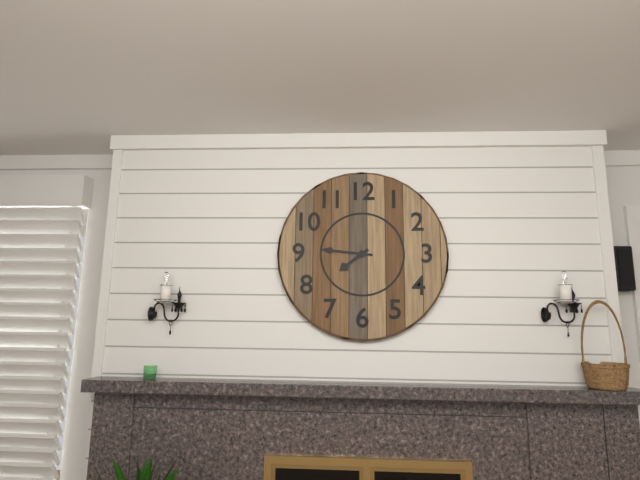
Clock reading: **7:46**
